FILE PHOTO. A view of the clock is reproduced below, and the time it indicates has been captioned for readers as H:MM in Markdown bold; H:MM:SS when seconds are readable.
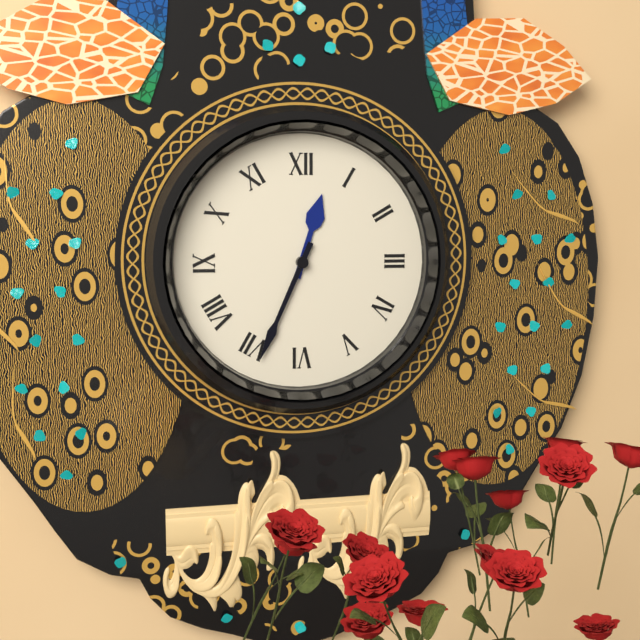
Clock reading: **12:34**
